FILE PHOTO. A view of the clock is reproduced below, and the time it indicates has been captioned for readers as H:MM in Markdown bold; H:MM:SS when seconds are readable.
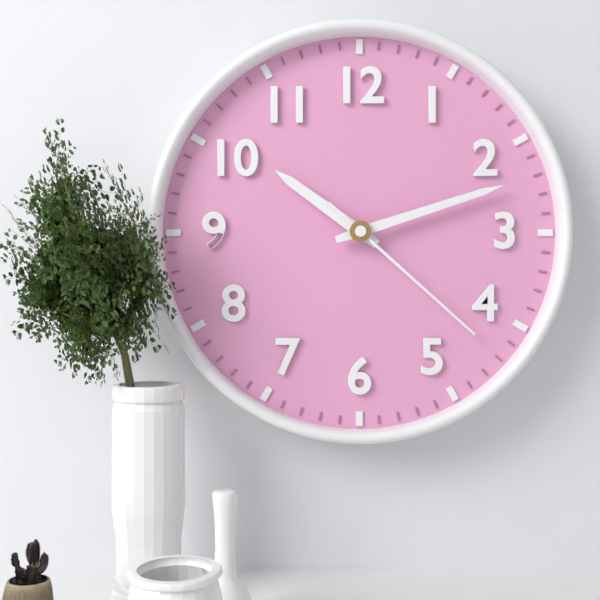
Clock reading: **10:12:22**
